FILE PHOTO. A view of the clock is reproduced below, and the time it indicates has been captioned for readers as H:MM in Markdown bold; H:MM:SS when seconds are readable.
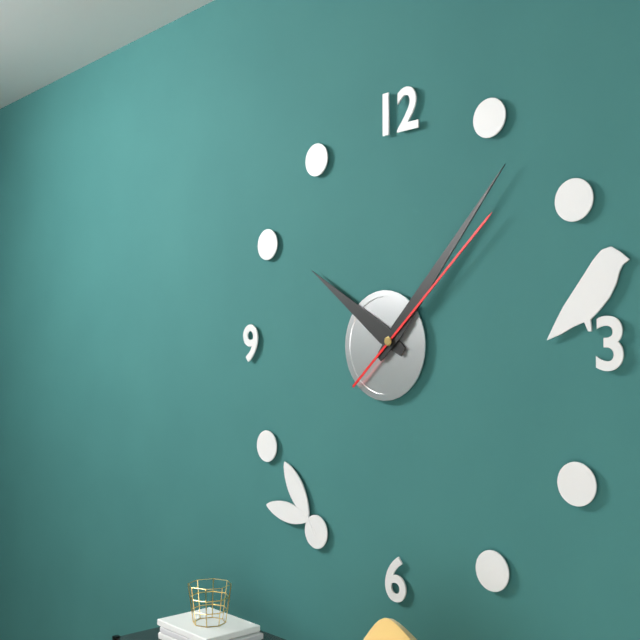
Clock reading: **10:07:08**
